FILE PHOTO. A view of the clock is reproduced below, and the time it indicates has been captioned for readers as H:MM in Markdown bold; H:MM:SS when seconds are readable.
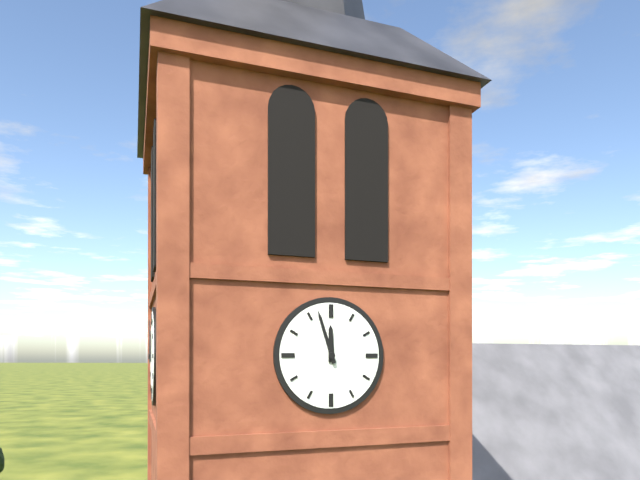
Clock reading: **11:57**
